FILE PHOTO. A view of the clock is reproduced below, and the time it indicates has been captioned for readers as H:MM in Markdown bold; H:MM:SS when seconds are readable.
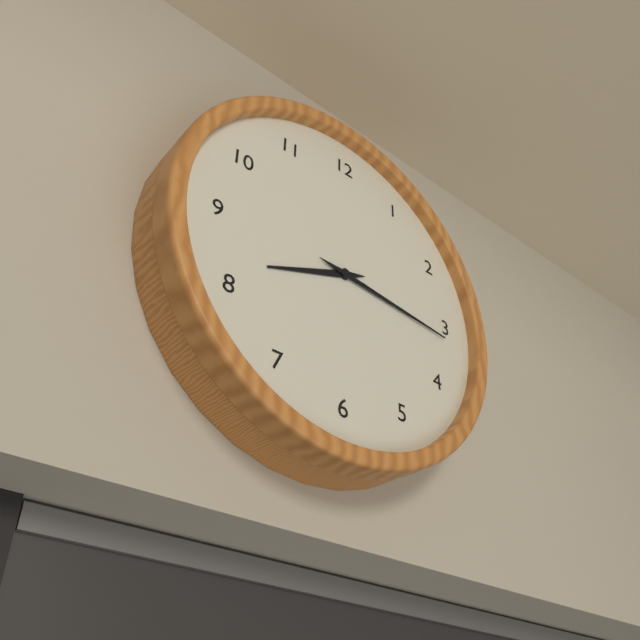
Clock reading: **8:16**
